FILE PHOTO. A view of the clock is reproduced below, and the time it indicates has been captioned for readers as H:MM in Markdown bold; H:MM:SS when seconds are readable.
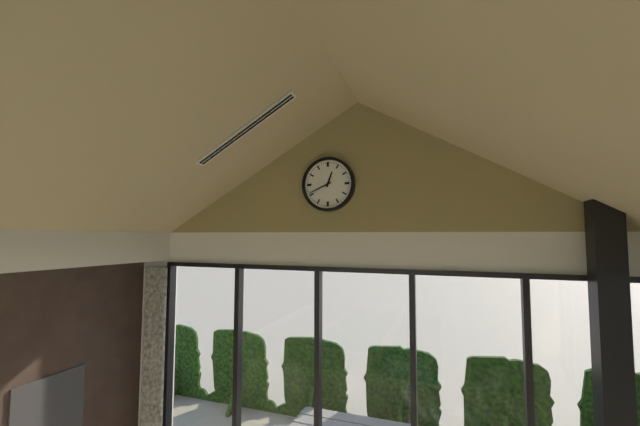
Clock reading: **12:41**
